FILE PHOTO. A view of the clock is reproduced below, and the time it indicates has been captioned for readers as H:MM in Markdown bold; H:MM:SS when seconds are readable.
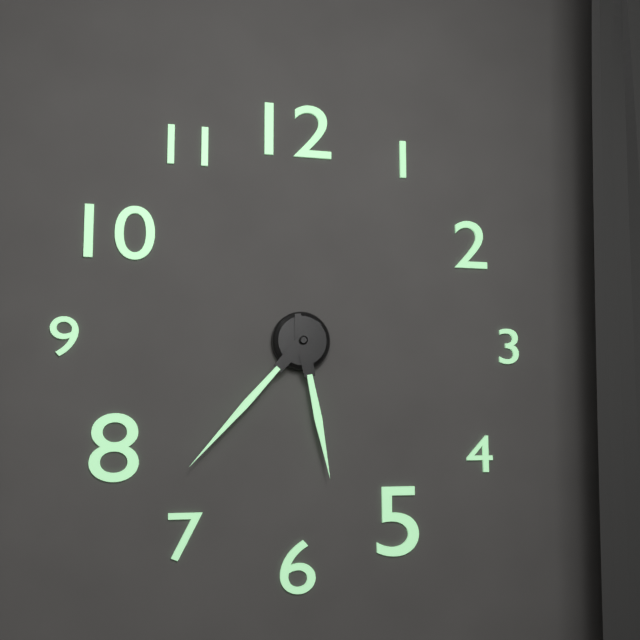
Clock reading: **5:37**
